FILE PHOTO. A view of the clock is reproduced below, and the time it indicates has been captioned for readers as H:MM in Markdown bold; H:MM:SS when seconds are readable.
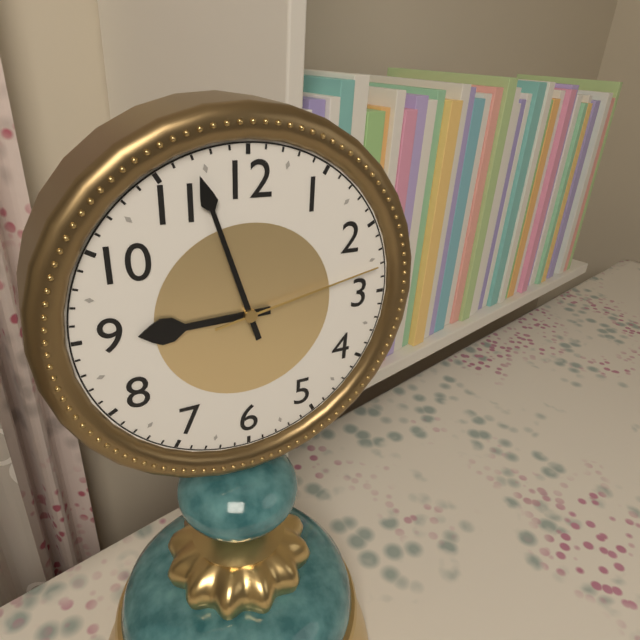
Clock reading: **8:57:13**
